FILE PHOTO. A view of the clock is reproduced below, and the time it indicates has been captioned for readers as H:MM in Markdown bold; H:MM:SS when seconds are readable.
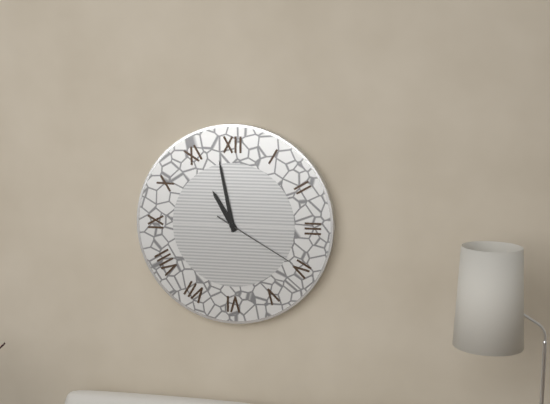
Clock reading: **10:58:20**
